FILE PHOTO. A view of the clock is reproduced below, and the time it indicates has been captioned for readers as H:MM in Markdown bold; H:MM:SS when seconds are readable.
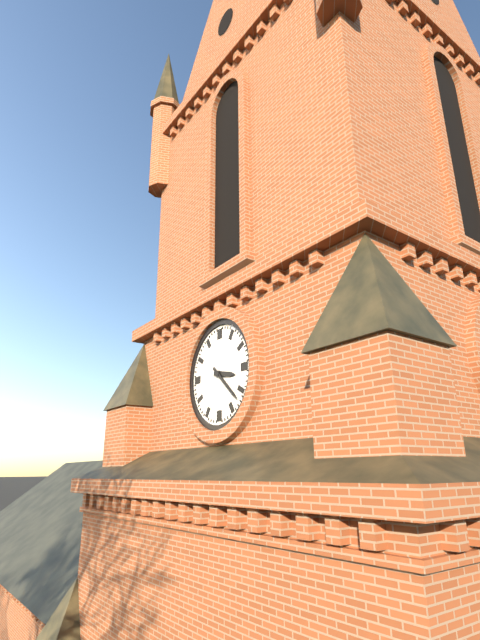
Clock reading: **3:22**
